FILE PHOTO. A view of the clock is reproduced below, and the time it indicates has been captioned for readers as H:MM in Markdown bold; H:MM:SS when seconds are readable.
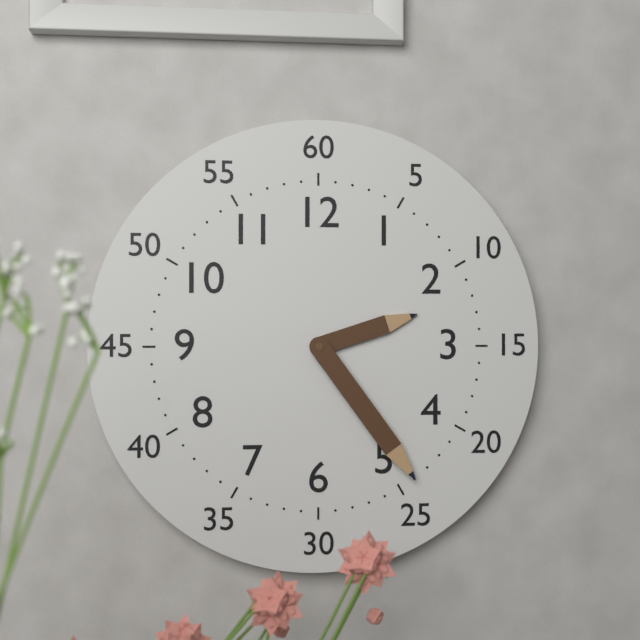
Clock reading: **2:24**
